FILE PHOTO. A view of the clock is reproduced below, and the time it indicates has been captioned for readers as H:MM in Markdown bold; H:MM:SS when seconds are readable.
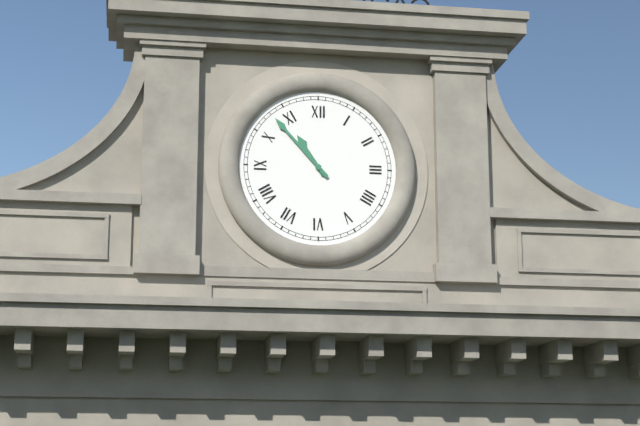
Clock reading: **10:53**
